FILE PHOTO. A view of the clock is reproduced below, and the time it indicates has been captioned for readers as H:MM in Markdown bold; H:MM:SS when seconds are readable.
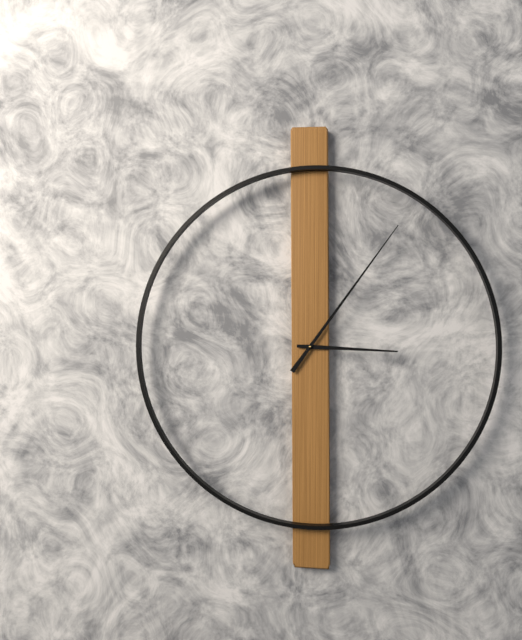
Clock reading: **3:06**
